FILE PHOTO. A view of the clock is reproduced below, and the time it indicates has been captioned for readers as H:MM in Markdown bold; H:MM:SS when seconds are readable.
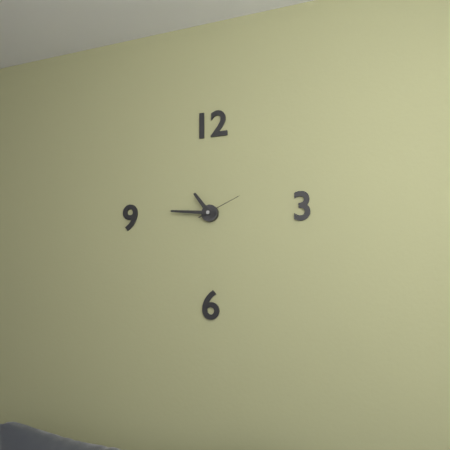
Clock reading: **10:46**
